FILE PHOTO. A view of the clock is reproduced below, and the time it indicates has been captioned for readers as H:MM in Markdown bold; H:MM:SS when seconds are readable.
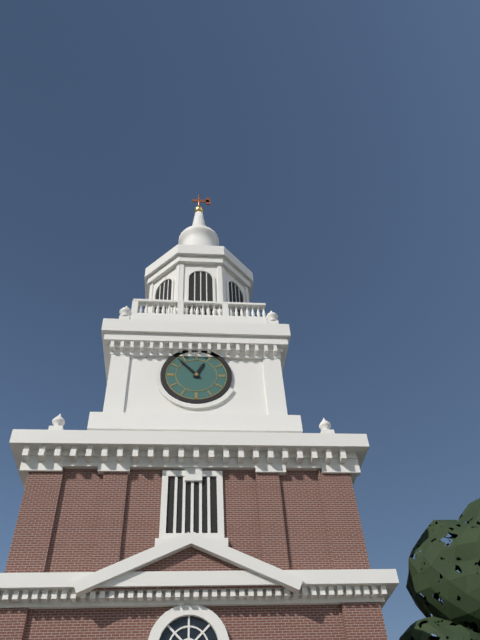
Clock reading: **12:53**
